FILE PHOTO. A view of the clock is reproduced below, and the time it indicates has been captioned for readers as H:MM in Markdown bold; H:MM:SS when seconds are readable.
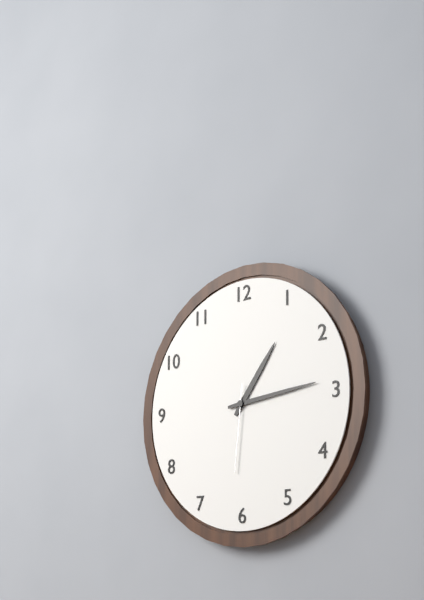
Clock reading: **1:14:31**
